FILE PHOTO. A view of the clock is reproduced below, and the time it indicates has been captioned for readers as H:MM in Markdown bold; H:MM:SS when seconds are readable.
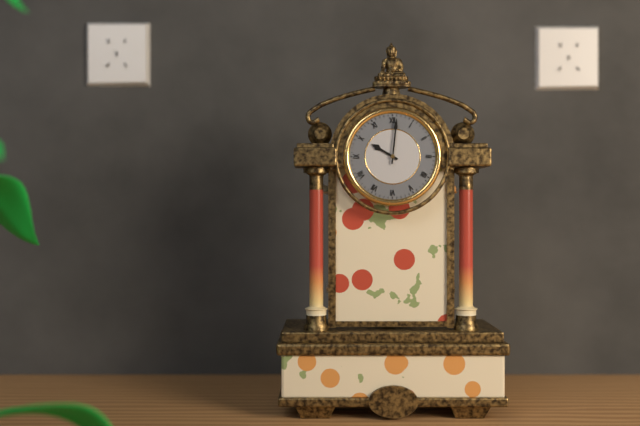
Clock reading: **10:01**
